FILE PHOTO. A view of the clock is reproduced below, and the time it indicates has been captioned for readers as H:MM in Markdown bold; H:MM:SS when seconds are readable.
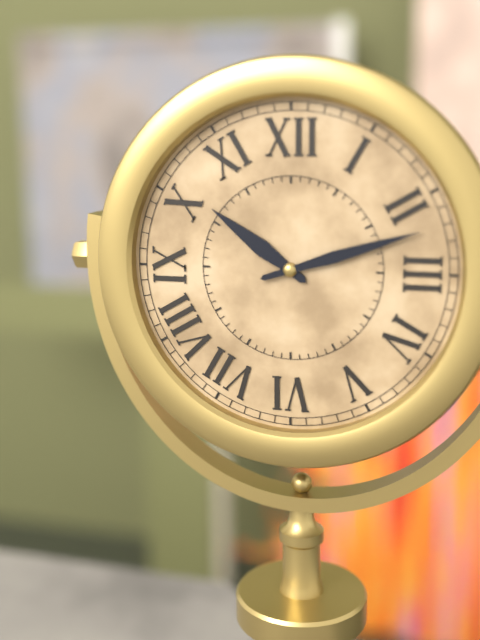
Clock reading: **10:12**
